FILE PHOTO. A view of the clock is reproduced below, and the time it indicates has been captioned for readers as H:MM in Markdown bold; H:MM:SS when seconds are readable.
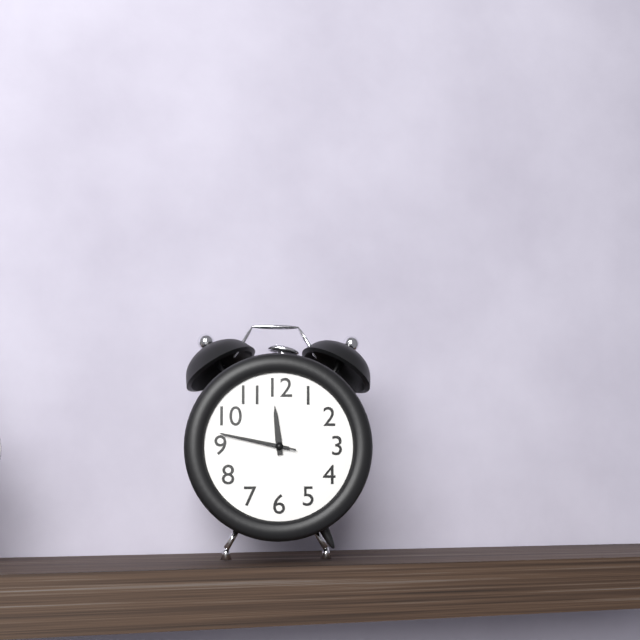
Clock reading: **11:47:47**
